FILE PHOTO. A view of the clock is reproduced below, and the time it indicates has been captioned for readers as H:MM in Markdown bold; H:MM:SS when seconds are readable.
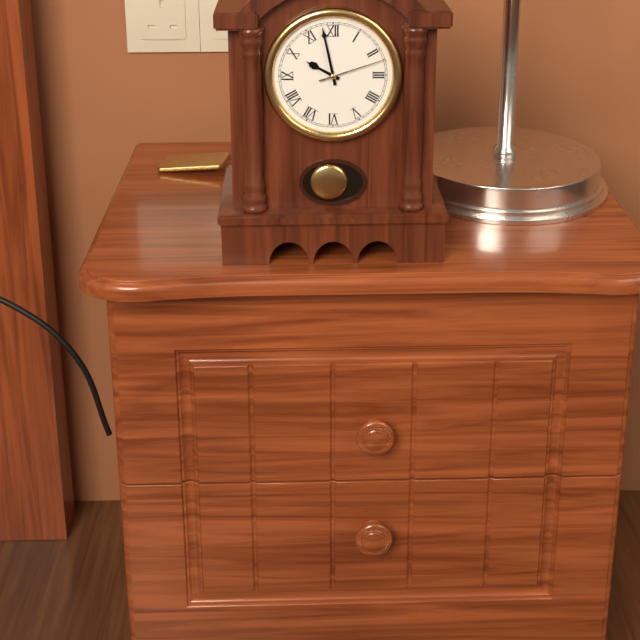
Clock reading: **9:58:12**
